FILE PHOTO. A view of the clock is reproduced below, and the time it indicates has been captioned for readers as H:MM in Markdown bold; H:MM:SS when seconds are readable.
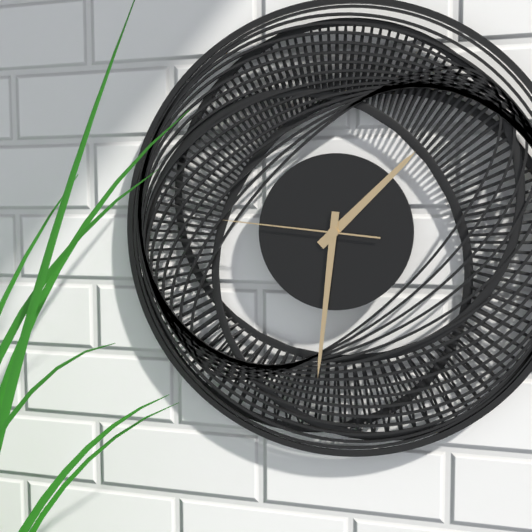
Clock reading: **1:31:46**
